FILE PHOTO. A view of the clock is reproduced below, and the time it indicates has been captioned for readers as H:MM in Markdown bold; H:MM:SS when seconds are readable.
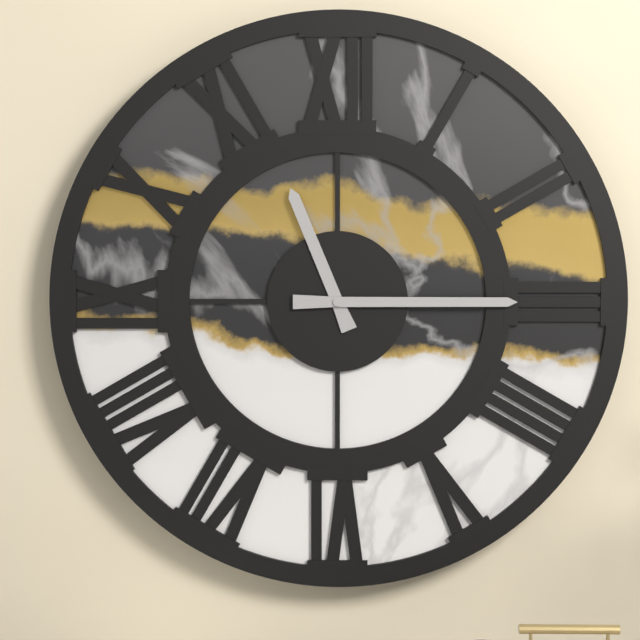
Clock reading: **11:15**
